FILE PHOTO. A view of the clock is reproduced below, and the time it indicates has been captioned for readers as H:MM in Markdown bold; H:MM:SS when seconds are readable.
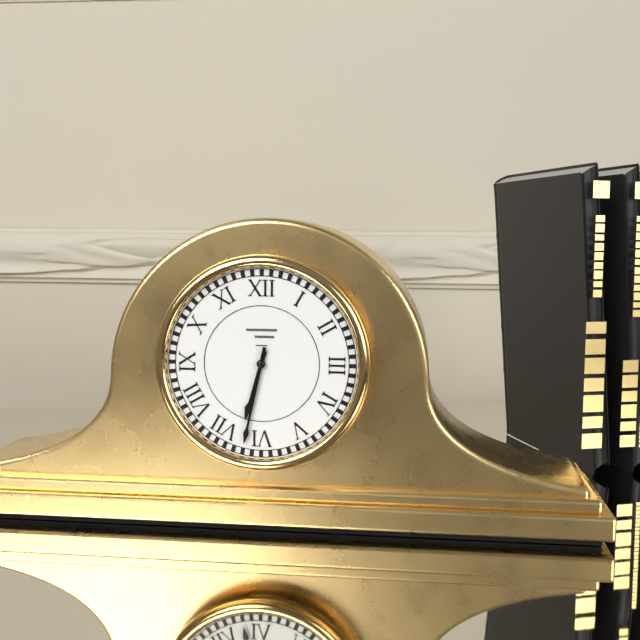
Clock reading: **6:32**
